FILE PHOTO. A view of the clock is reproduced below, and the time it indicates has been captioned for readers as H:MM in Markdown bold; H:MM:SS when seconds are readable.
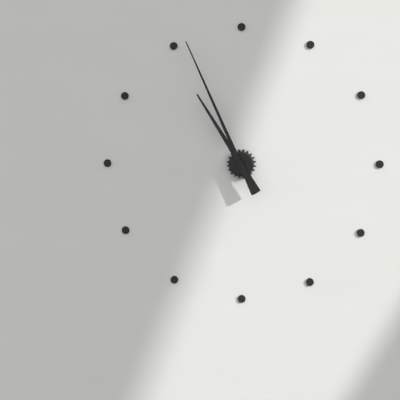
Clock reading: **10:56**
